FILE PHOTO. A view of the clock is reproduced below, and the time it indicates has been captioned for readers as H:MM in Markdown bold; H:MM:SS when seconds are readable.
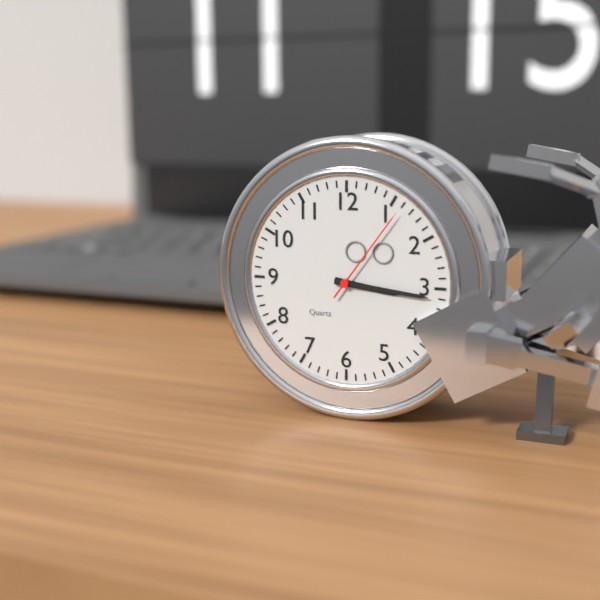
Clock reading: **3:16:06**
